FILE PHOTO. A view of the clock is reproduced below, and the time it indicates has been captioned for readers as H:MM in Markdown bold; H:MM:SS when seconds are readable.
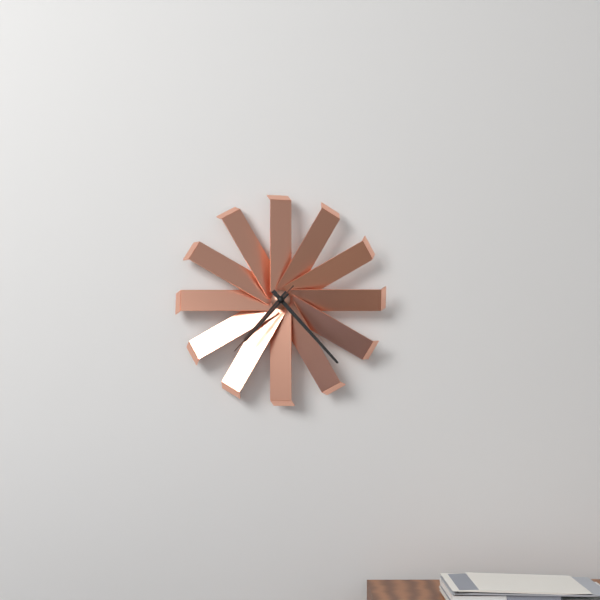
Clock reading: **7:23:37**
